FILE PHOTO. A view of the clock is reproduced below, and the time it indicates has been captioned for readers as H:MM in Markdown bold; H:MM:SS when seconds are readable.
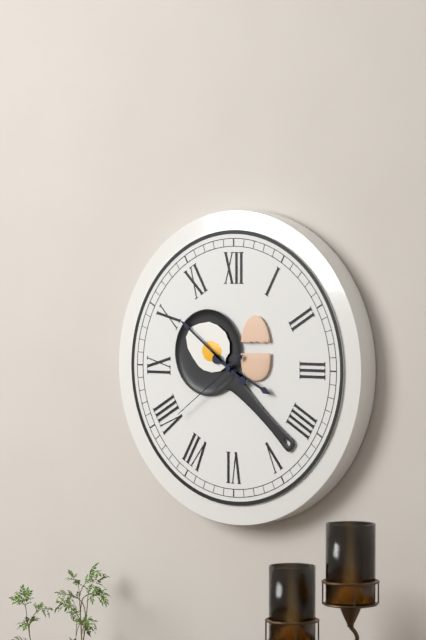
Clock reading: **3:51:39**
